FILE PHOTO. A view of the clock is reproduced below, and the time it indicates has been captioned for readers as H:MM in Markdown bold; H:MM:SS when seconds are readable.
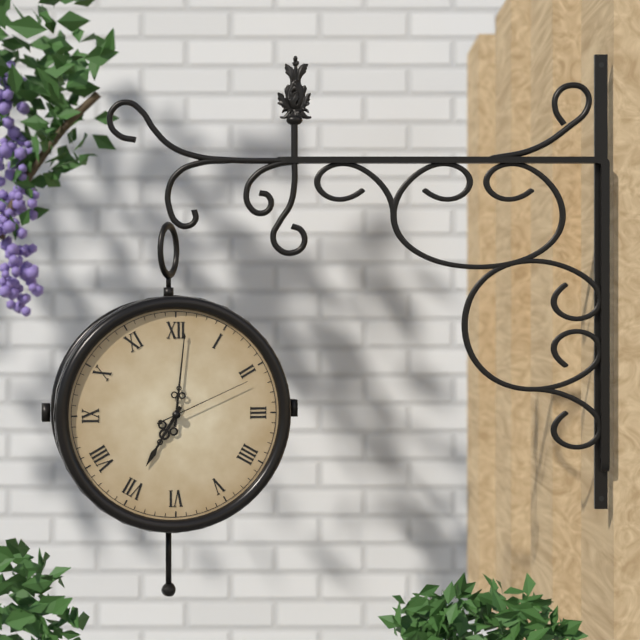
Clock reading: **7:01:11**
